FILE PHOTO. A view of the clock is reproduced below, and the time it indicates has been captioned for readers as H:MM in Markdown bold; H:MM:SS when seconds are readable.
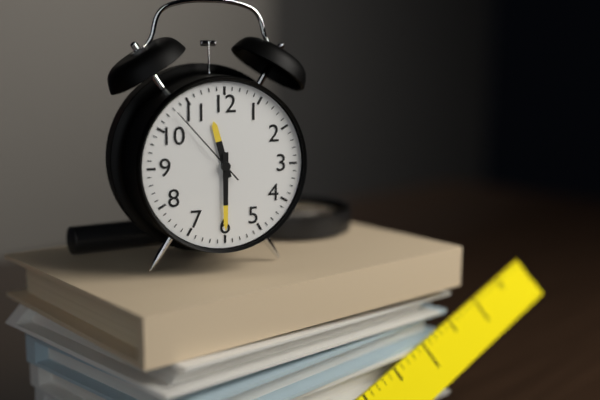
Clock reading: **11:30:53**
